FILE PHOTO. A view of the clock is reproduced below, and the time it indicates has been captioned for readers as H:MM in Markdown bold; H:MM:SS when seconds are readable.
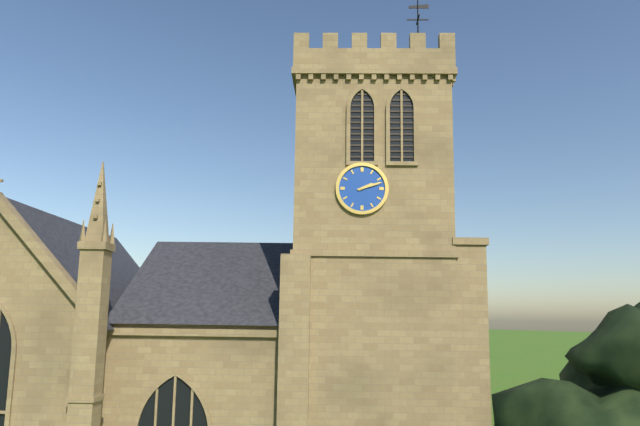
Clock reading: **2:12**
